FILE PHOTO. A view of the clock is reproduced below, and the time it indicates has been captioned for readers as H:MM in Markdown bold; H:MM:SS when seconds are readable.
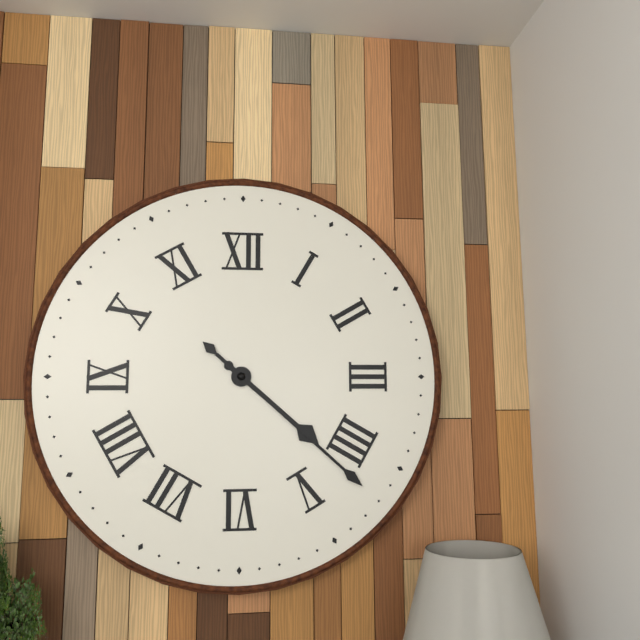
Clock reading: **4:22**
